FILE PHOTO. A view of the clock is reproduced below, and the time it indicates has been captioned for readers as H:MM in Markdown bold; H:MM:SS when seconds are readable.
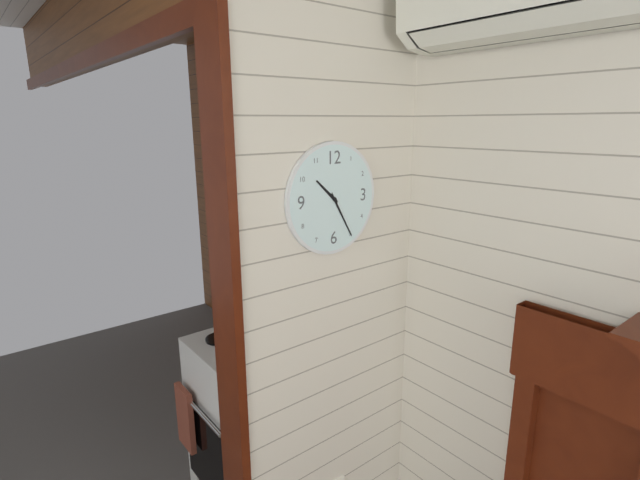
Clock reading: **10:25**
